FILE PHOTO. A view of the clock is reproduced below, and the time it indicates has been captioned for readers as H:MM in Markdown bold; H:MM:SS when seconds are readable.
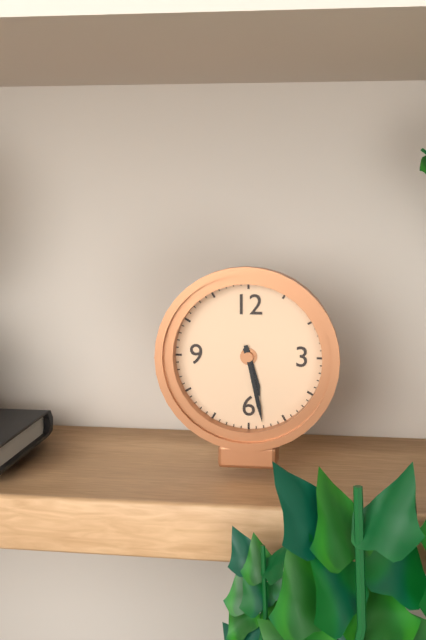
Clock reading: **5:28**
